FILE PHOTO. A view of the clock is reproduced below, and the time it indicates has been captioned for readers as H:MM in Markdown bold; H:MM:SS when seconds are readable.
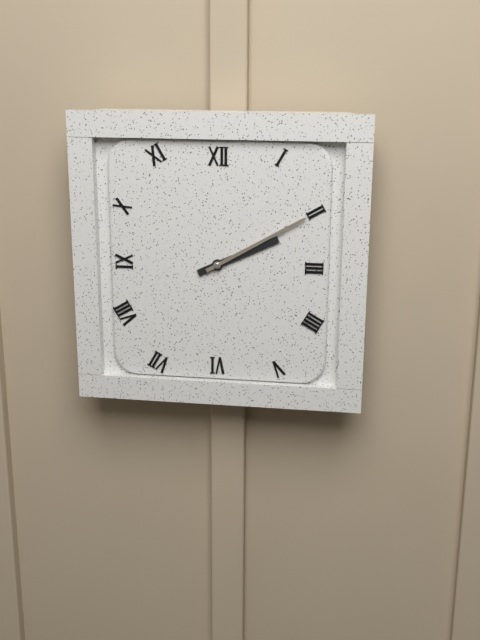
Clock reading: **2:10**
